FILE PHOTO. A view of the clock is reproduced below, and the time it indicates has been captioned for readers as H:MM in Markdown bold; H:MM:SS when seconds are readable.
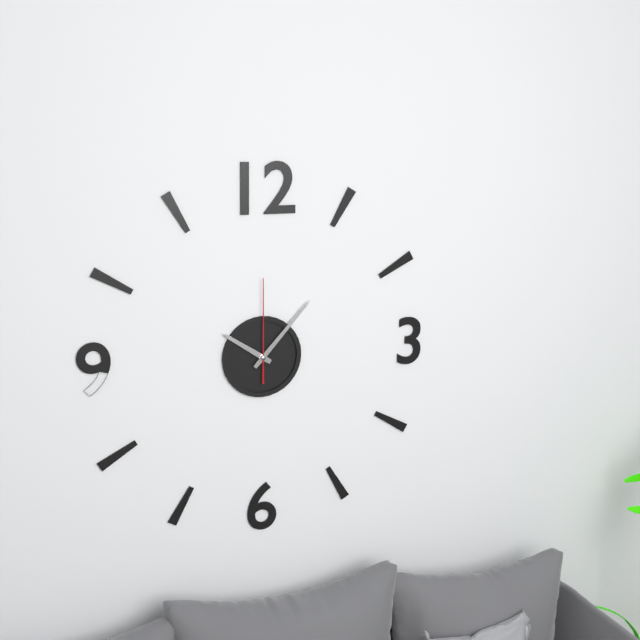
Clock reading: **10:07:00**
